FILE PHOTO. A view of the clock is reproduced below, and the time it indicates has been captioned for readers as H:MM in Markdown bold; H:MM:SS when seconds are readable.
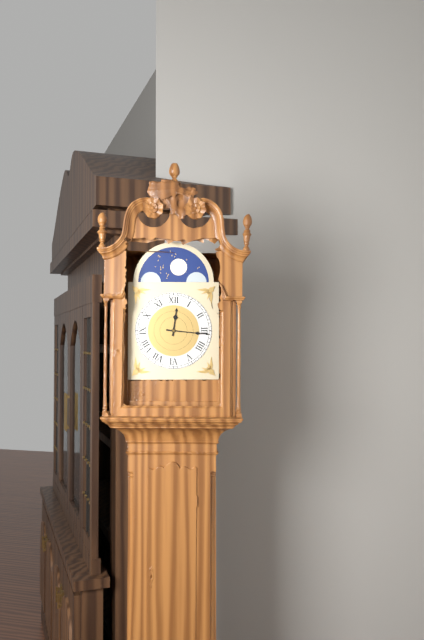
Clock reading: **12:16**
